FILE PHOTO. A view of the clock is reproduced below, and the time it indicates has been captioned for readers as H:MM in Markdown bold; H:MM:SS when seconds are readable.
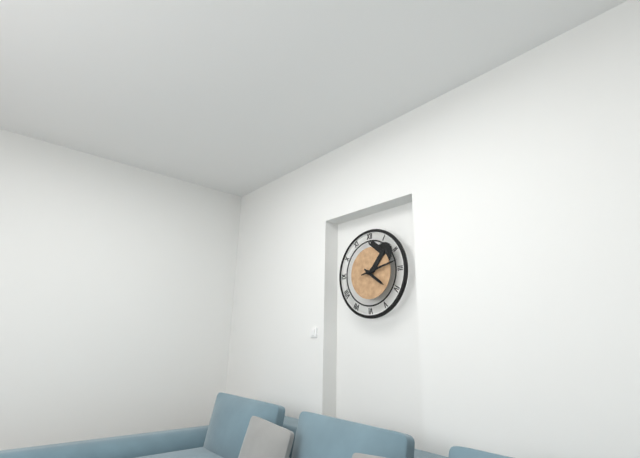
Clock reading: **4:13**
